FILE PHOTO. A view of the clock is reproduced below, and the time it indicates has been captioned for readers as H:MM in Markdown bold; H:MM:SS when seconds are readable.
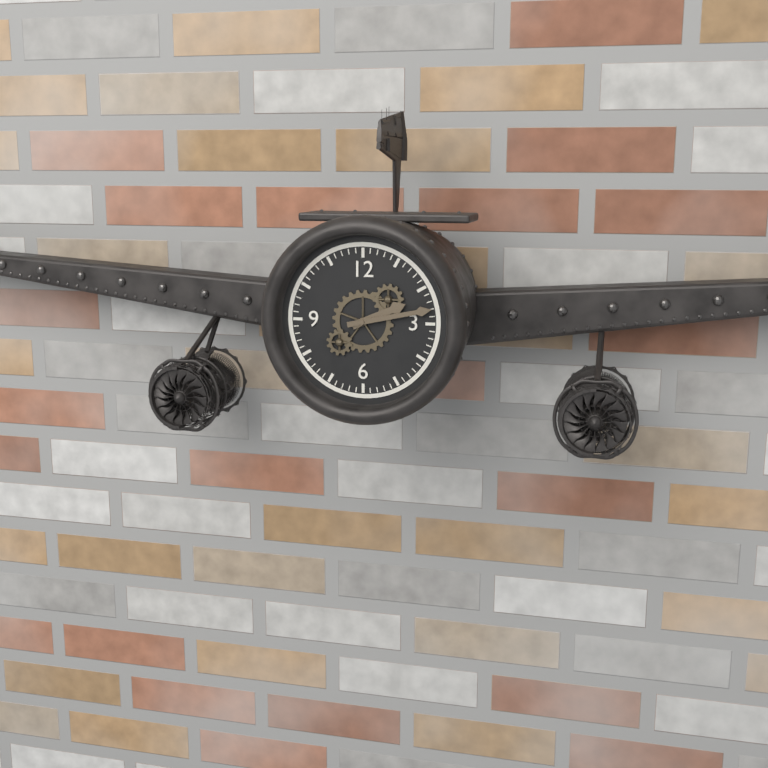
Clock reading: **2:13**
